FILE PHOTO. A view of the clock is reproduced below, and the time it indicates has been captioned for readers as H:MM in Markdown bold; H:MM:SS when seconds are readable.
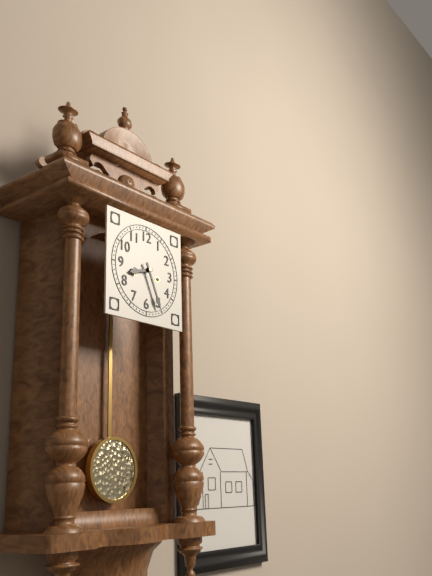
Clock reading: **8:26**
